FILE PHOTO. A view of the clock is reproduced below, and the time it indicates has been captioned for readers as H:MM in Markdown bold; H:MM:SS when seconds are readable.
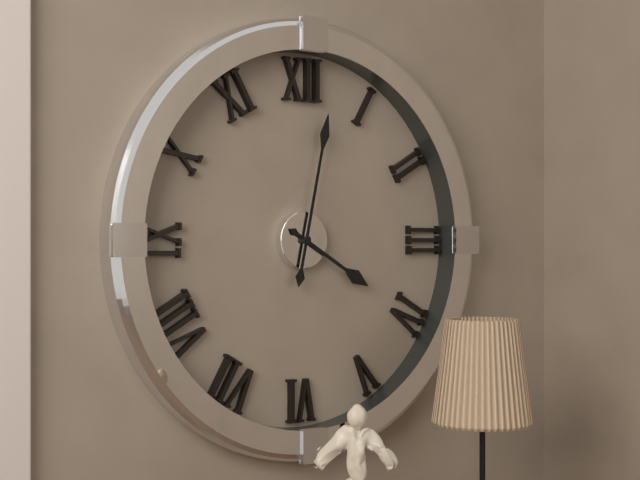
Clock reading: **4:02**
